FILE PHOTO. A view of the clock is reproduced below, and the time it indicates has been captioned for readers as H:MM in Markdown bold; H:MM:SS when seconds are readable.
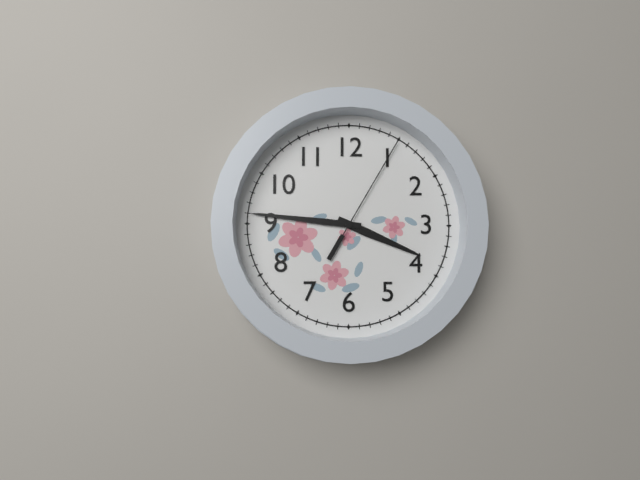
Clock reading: **3:46:05**
